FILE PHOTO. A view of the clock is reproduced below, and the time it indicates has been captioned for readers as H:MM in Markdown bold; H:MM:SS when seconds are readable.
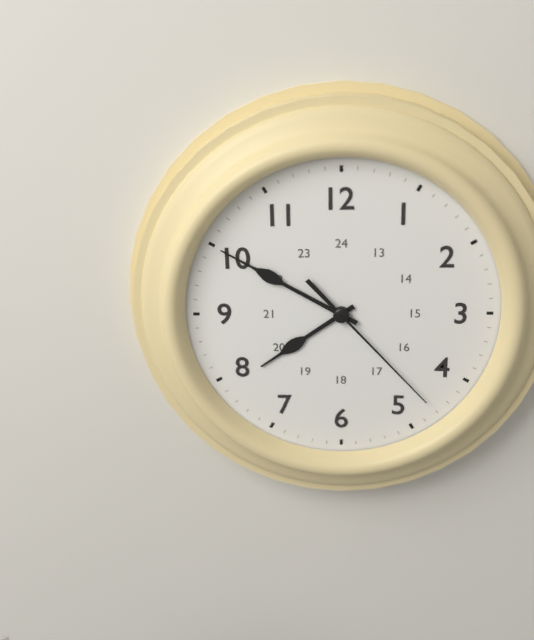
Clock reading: **7:50:23**
